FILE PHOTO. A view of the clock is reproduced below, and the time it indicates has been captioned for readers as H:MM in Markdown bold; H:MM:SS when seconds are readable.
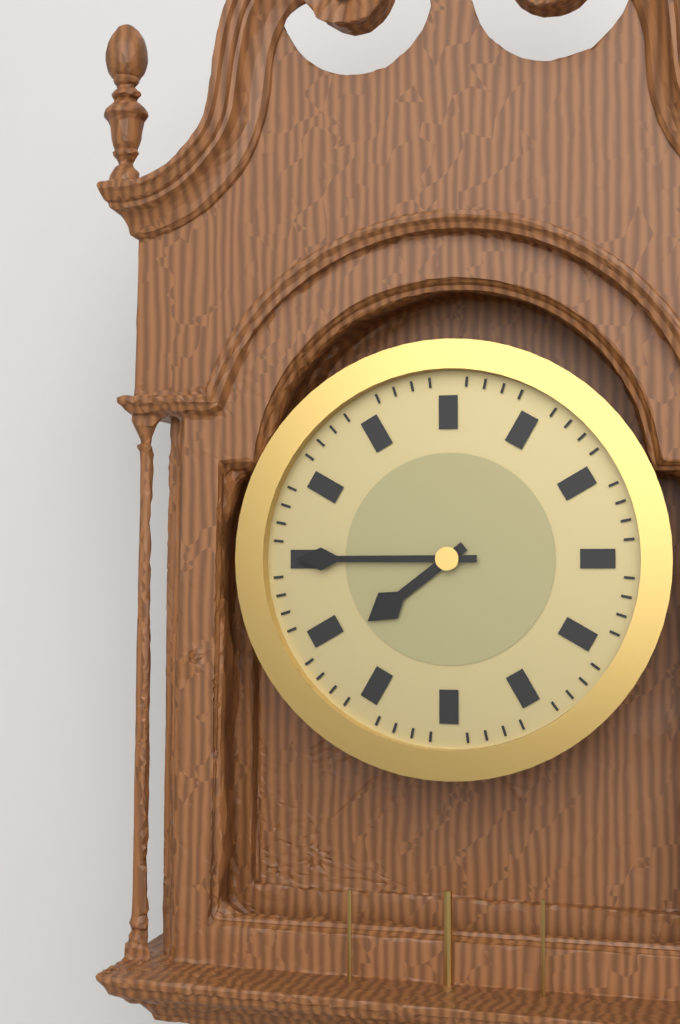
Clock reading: **7:45**
